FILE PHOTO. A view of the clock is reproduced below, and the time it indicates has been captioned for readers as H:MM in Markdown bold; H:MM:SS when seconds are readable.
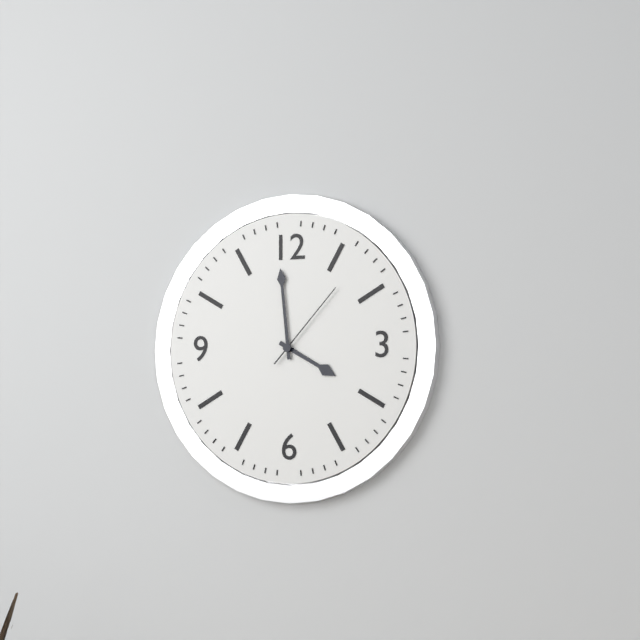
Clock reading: **3:59:07**
